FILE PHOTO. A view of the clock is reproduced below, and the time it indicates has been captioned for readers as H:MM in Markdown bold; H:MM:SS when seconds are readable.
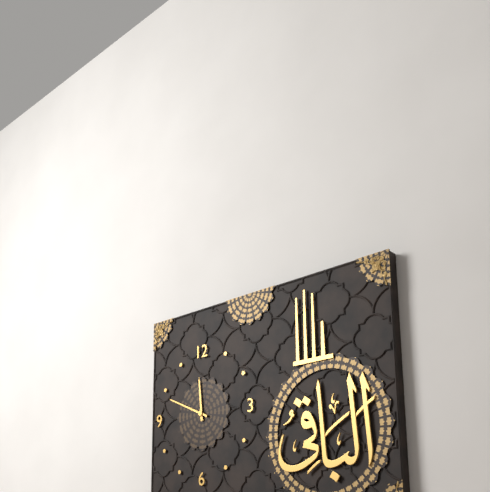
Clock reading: **11:49**
